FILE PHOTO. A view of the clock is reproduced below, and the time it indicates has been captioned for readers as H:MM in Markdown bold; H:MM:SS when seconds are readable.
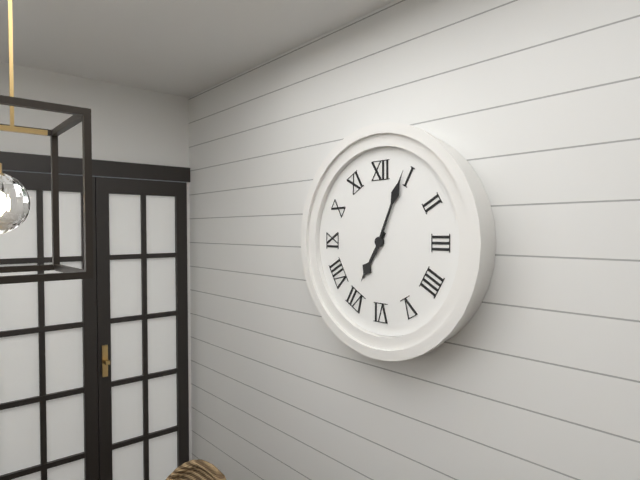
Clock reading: **7:04**
